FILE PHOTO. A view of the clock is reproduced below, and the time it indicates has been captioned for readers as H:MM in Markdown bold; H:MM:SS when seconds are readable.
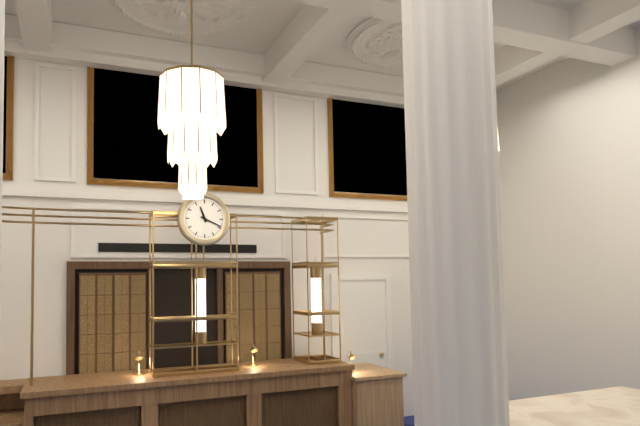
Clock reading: **11:19**
